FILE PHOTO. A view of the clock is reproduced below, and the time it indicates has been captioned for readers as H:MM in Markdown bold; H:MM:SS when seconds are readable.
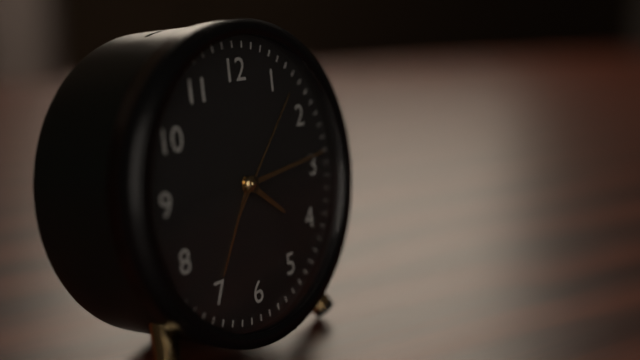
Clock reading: **4:14:07**
